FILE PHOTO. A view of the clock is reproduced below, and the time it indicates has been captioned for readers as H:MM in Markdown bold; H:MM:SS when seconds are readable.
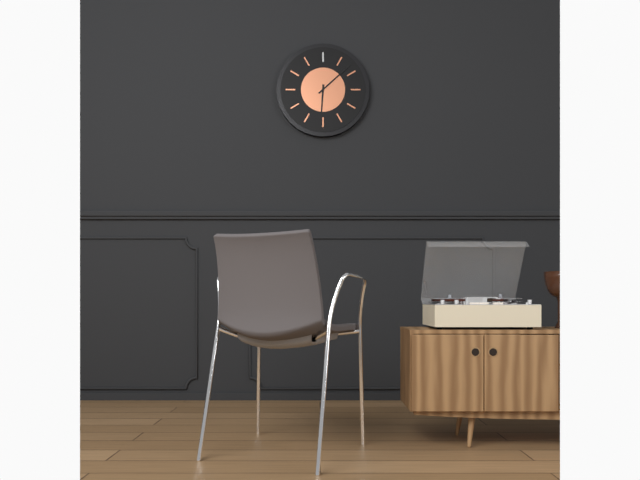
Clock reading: **6:08**
